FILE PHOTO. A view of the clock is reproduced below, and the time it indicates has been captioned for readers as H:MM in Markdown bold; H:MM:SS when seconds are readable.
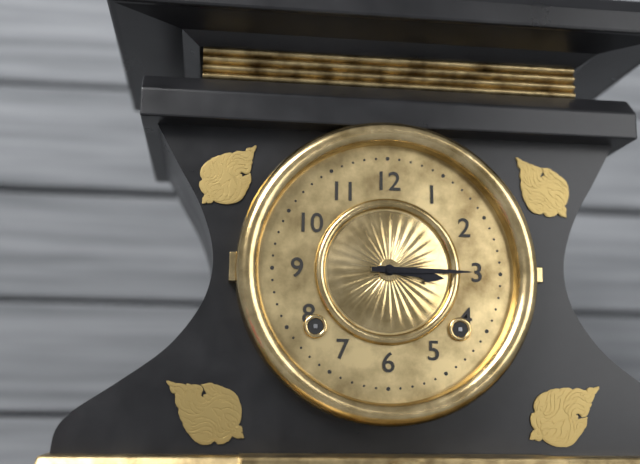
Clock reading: **3:15**
